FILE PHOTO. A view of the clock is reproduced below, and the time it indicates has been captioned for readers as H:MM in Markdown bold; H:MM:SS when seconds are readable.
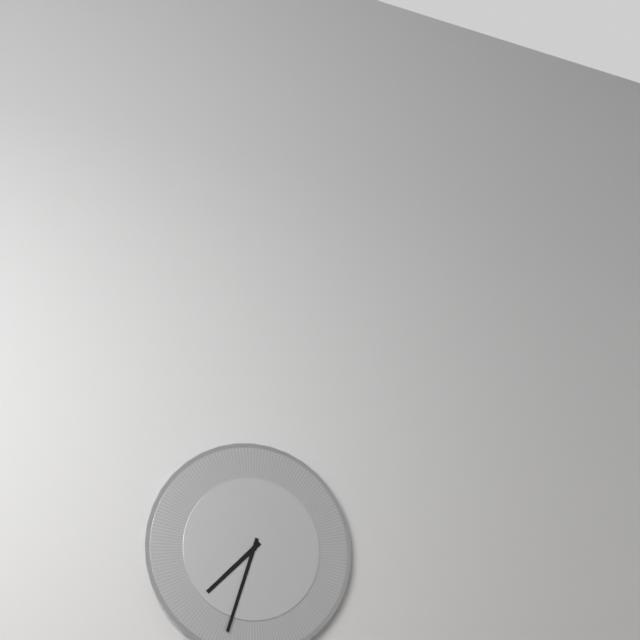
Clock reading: **7:33**
